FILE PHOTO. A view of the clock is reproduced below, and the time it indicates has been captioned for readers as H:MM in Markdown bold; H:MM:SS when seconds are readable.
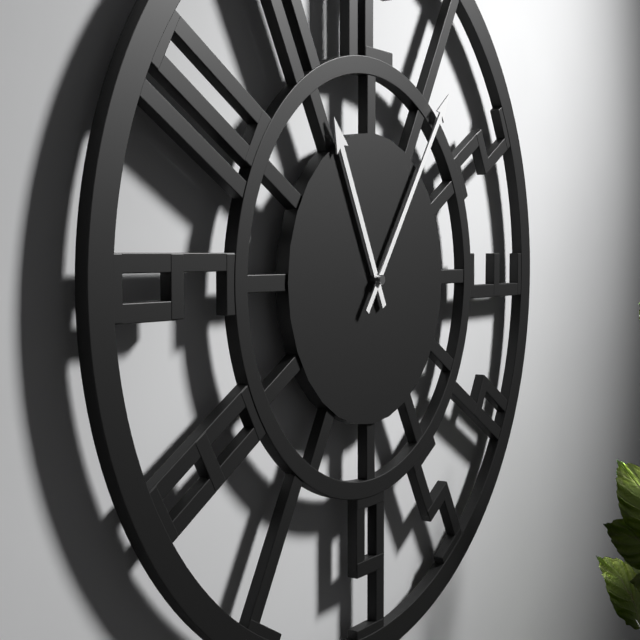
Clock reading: **11:06**
